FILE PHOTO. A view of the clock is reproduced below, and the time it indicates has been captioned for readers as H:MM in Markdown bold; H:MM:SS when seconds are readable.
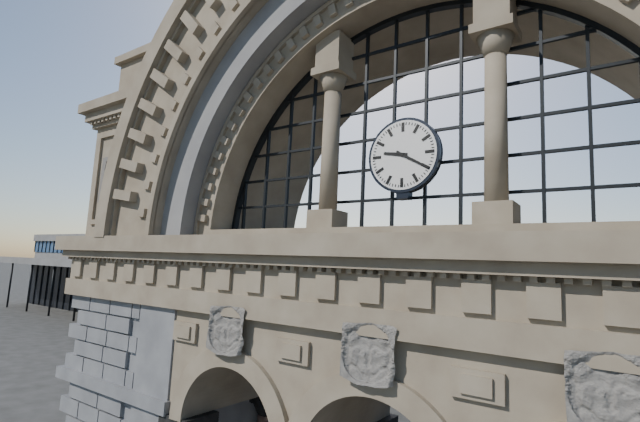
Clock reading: **9:20**
